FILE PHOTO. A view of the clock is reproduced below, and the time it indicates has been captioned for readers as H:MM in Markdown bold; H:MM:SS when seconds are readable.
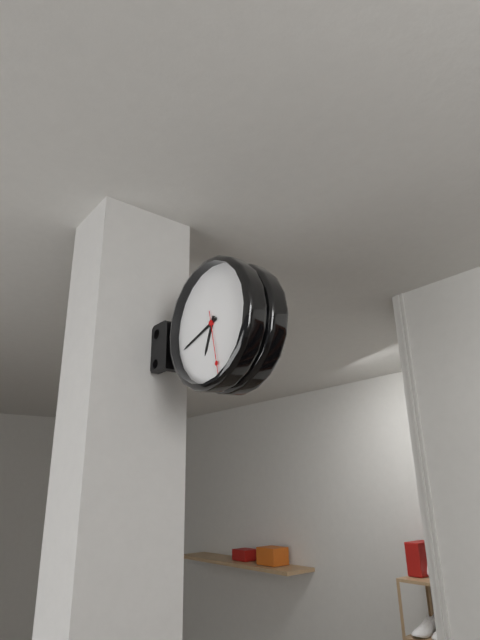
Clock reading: **6:42:28**
